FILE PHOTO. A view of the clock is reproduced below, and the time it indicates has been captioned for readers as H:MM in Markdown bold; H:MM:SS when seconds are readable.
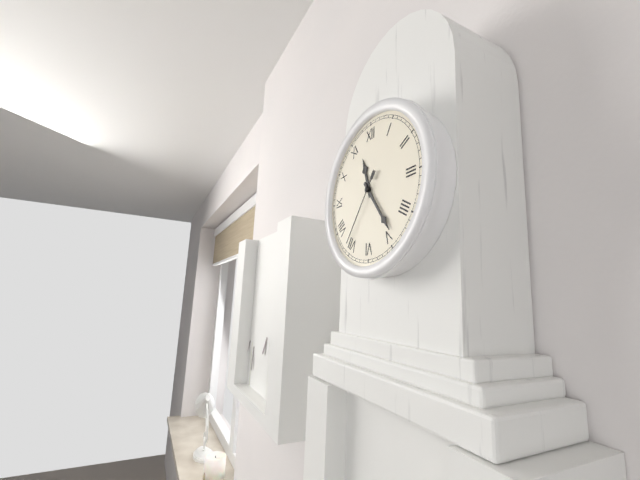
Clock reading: **11:24:36**
